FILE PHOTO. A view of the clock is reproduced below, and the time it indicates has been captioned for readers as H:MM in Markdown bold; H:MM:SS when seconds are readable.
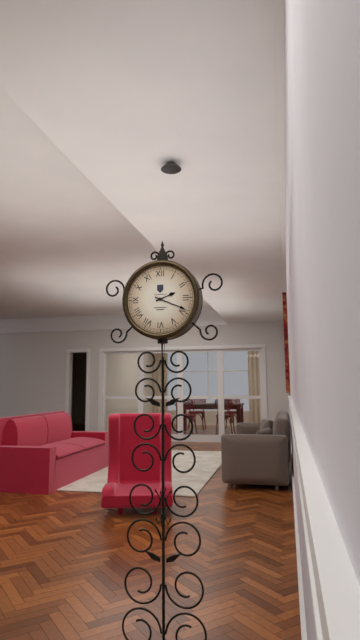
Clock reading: **2:19**
